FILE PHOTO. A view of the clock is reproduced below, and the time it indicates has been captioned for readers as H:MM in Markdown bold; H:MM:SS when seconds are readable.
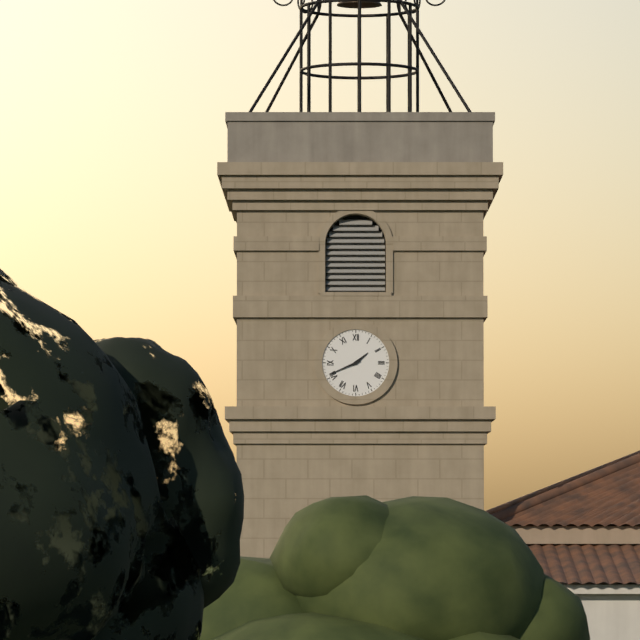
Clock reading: **1:41**
